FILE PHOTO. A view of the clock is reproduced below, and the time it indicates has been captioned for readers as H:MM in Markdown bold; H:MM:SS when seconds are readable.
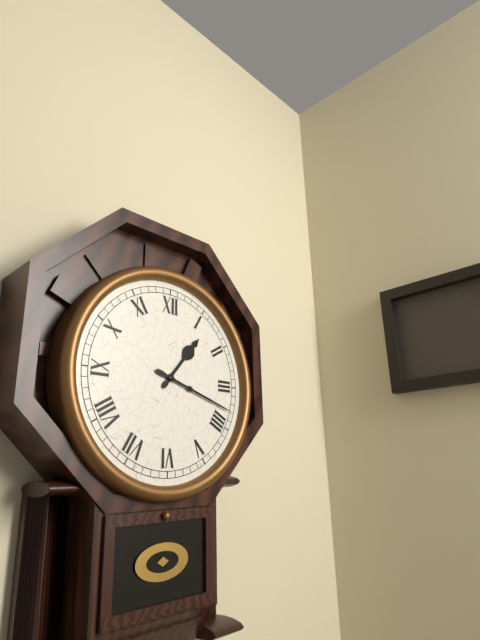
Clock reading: **1:18**
